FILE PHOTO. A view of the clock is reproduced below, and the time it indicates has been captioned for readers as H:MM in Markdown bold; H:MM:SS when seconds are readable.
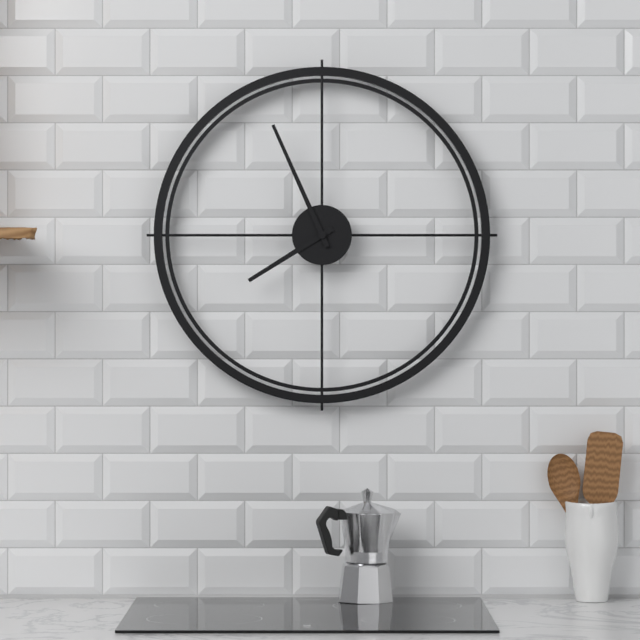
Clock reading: **7:56**
